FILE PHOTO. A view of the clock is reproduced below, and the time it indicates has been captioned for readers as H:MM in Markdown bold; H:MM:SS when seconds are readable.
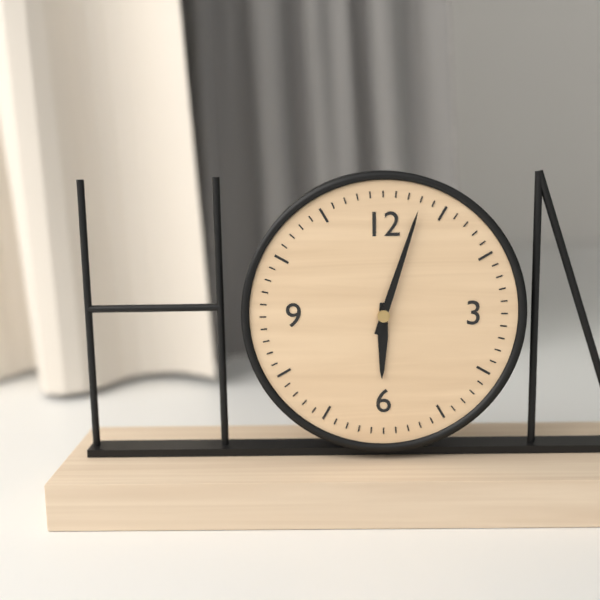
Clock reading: **6:03**
